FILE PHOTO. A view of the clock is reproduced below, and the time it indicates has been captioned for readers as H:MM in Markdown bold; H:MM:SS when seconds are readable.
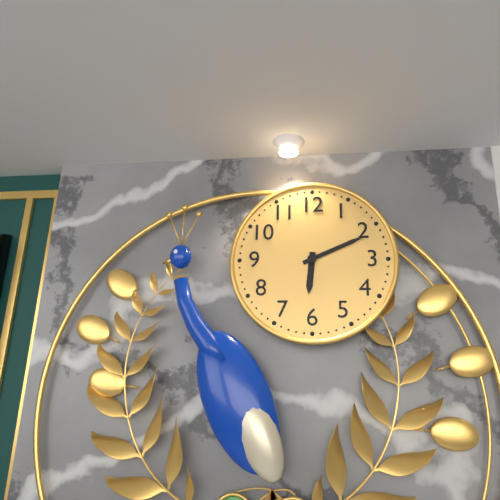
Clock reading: **6:11**
